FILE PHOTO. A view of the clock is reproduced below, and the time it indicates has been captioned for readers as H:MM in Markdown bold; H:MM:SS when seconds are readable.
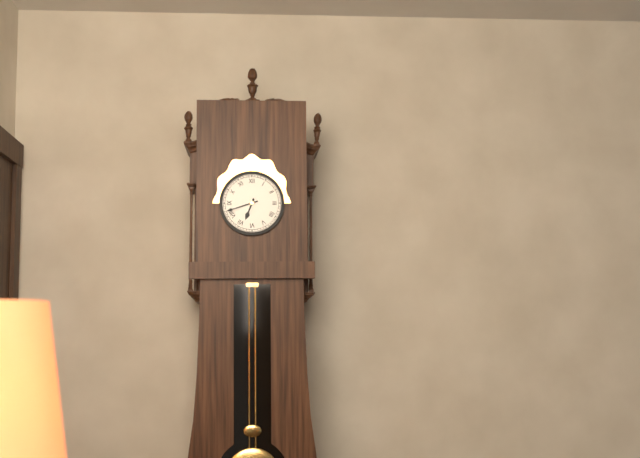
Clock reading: **6:42**
